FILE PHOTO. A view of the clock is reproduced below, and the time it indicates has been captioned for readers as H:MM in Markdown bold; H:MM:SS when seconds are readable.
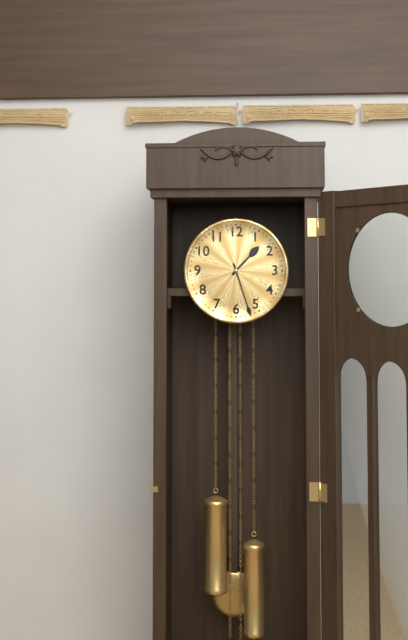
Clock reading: **1:27**
